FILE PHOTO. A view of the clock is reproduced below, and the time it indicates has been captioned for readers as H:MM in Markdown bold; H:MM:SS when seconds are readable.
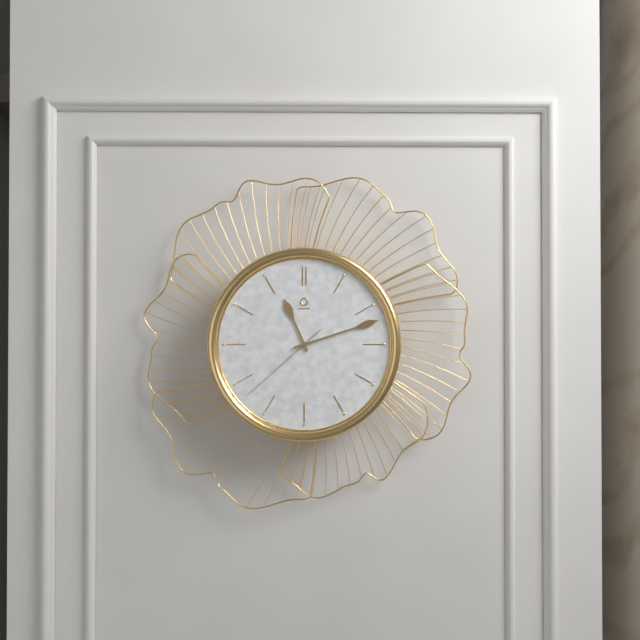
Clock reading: **11:12:38**
